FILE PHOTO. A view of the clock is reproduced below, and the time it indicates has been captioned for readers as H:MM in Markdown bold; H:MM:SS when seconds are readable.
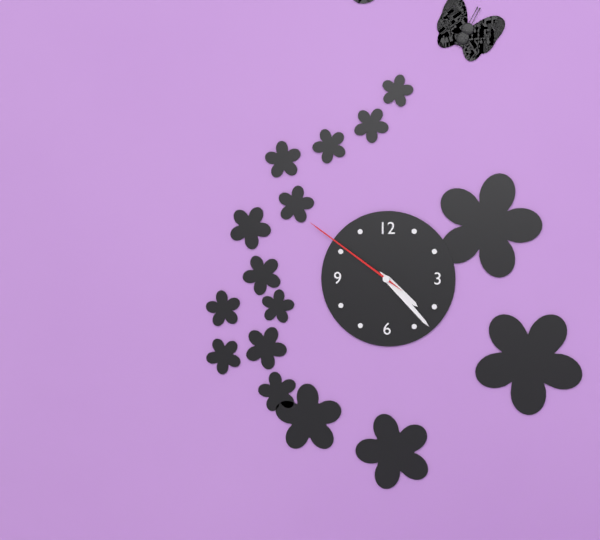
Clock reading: **4:23:51**
